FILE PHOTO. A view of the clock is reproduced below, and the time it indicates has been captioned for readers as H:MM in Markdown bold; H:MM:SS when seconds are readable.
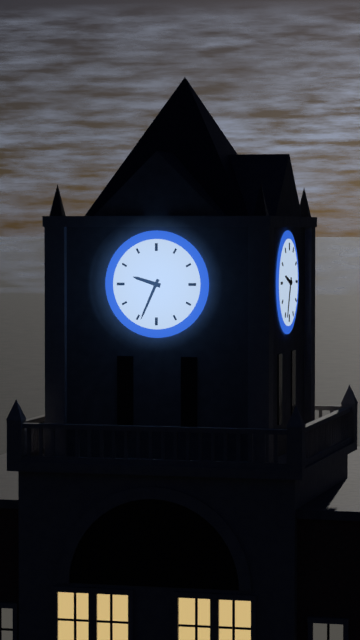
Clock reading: **9:34**
